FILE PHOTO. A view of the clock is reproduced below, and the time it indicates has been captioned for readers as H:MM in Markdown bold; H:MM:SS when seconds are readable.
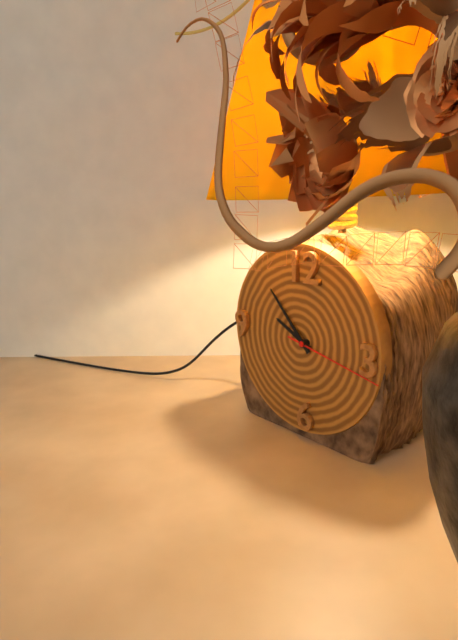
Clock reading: **9:53:17**
